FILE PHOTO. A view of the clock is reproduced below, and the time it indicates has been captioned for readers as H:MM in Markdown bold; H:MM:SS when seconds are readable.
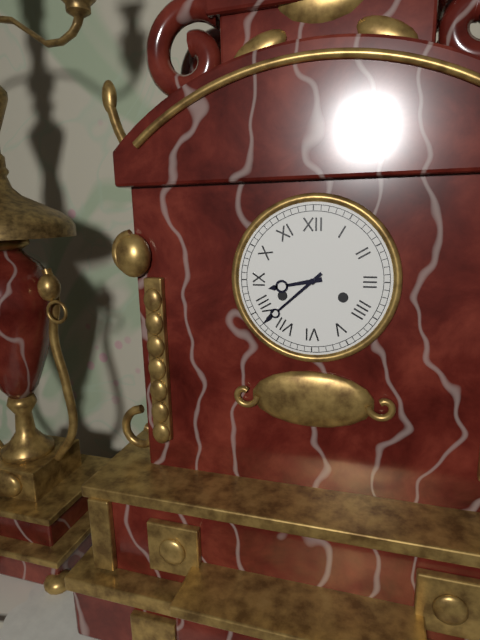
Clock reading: **8:38**
